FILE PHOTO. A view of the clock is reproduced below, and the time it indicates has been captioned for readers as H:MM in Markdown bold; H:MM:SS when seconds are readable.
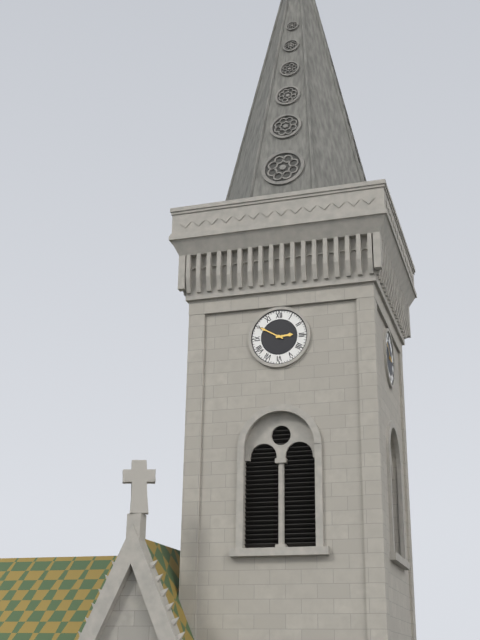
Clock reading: **2:50**
